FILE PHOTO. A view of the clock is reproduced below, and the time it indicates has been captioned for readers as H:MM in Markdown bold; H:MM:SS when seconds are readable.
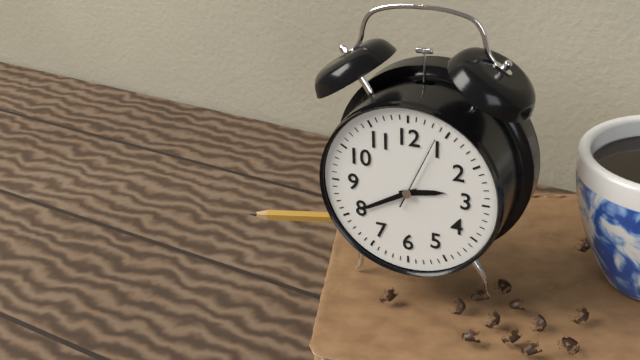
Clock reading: **2:40:04**
